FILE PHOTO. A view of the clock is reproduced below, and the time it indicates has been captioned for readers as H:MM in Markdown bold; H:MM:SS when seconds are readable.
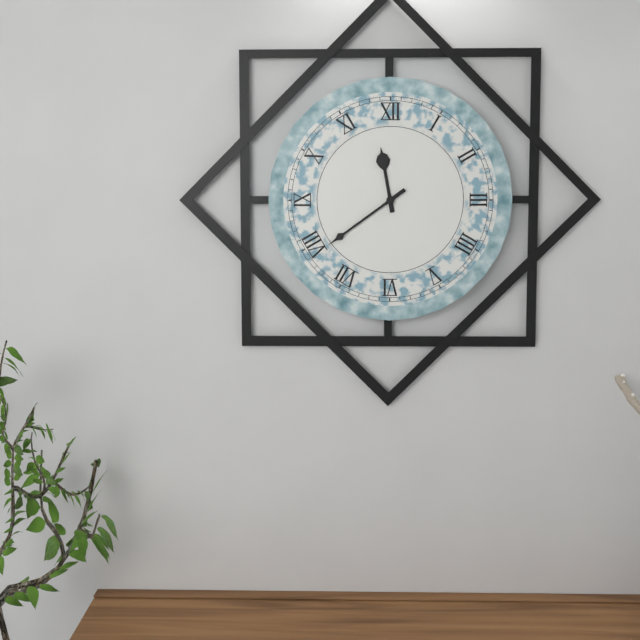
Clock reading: **11:39**
